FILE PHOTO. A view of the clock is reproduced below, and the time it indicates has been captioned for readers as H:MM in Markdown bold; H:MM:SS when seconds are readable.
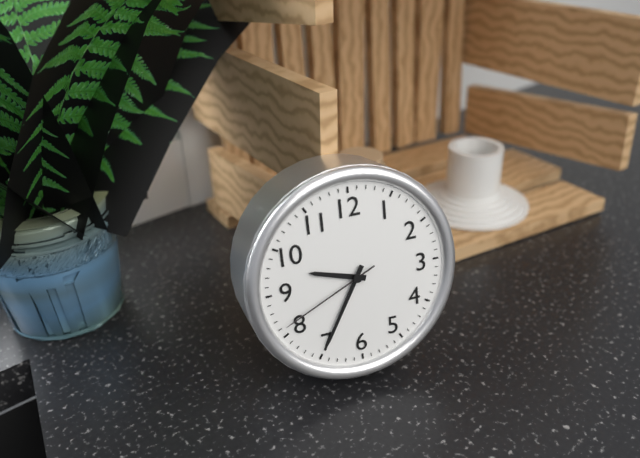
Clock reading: **9:35:41**
